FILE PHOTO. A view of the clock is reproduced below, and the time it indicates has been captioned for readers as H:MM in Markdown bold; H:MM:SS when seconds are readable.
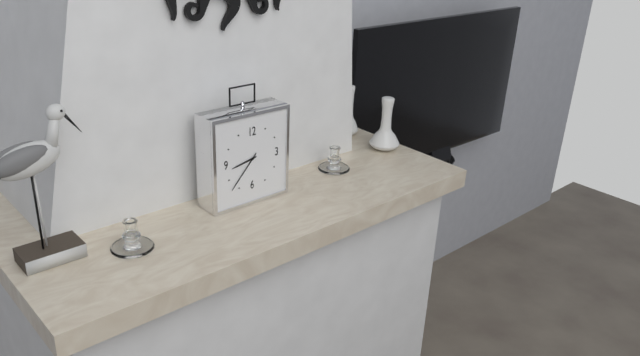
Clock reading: **8:37**
